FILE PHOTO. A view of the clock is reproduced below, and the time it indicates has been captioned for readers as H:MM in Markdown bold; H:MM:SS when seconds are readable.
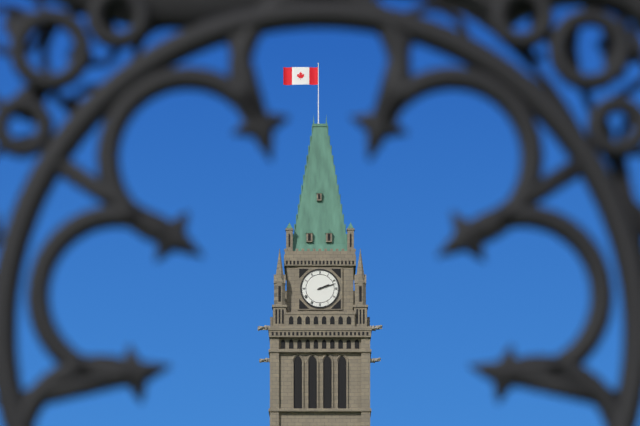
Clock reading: **2:12**
